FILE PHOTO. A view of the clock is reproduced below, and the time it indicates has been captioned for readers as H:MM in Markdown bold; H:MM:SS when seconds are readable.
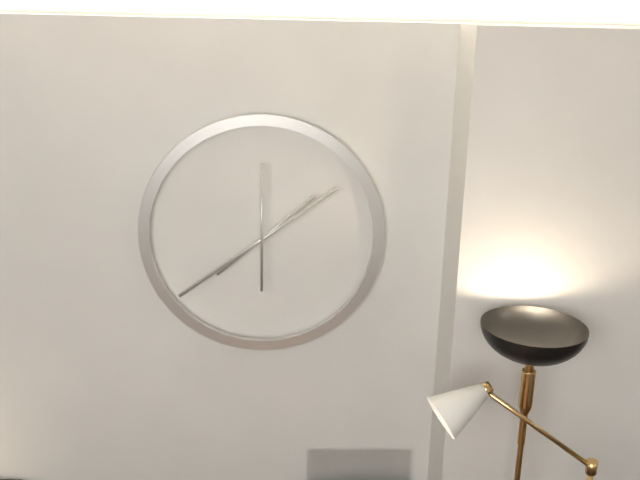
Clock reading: **1:39:00**
